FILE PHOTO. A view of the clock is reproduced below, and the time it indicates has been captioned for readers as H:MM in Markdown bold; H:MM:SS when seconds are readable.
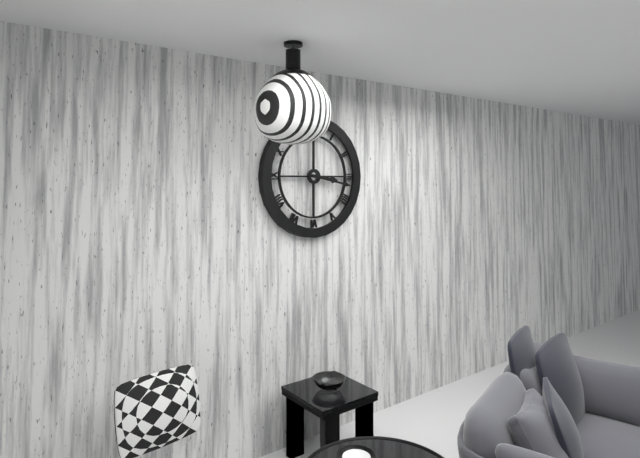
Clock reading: **3:17**
